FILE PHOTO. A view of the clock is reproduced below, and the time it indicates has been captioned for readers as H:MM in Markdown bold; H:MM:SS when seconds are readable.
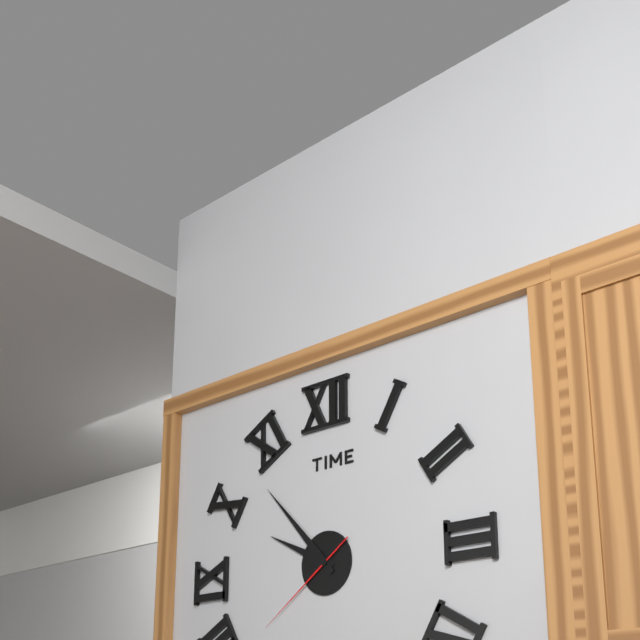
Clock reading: **9:53:39**
